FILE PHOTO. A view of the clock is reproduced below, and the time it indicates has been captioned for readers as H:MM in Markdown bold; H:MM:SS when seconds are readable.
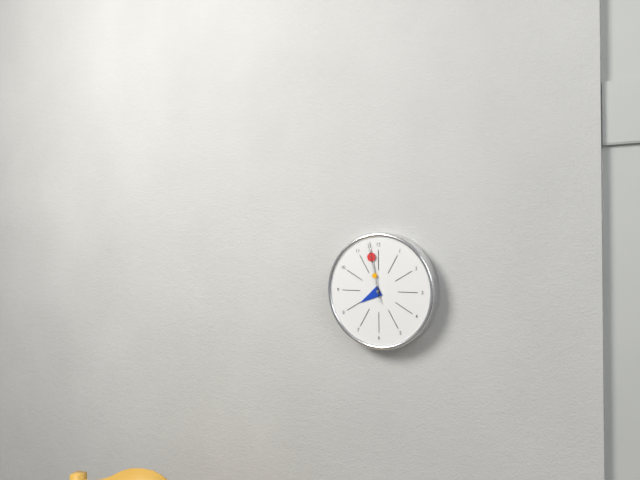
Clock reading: **7:58:58**
